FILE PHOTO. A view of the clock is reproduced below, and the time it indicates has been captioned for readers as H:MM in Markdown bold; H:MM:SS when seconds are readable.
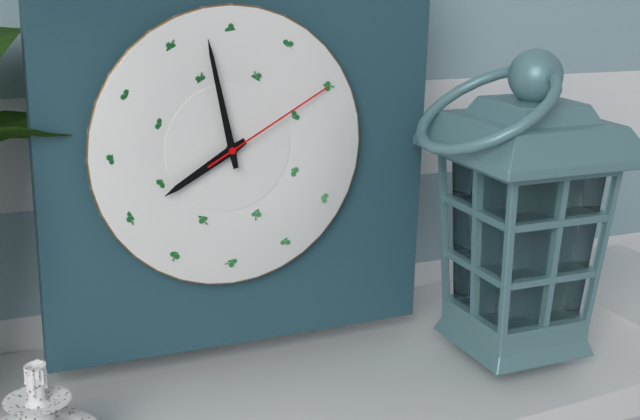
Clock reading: **7:58:10**
